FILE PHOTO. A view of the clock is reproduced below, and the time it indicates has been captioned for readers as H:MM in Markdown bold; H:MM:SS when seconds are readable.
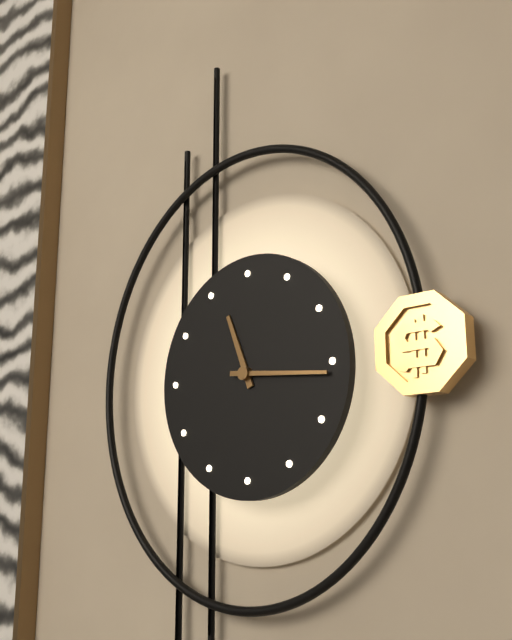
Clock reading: **11:16**
